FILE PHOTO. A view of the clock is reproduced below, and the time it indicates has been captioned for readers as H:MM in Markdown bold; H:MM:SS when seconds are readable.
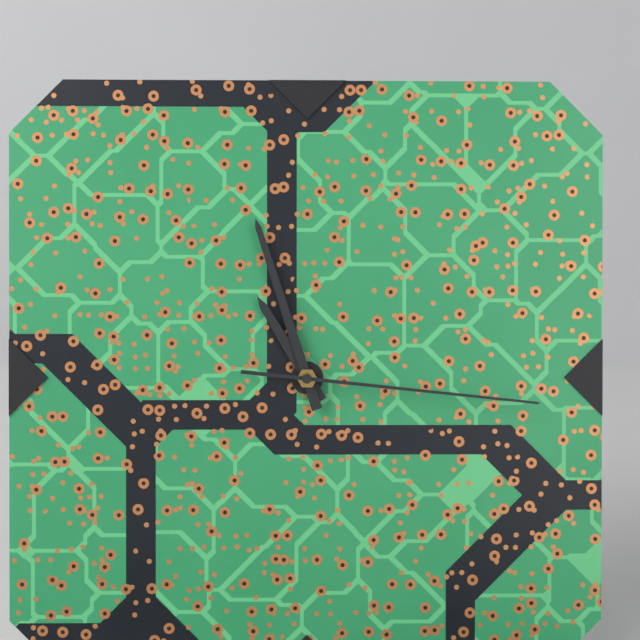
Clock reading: **10:57:16**
